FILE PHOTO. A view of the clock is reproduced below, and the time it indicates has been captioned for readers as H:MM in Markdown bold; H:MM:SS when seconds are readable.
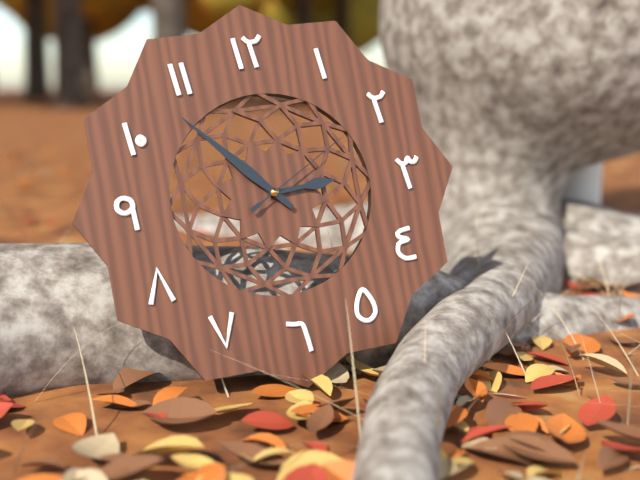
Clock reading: **2:53:10**
